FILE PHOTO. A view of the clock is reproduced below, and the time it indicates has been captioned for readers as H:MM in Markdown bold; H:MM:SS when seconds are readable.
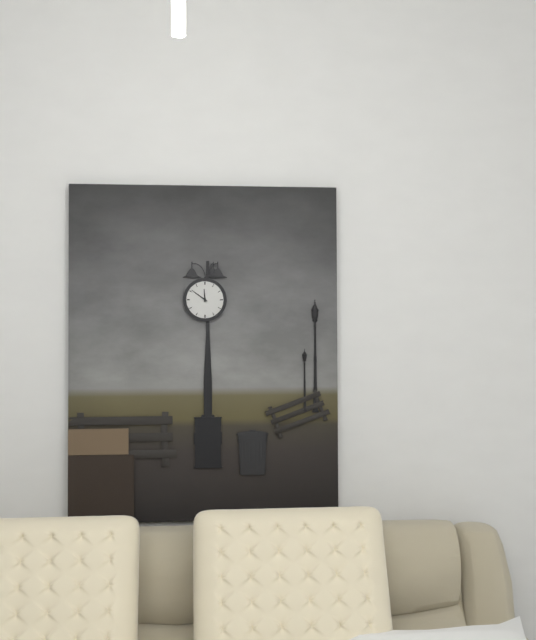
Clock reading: **11:51**
